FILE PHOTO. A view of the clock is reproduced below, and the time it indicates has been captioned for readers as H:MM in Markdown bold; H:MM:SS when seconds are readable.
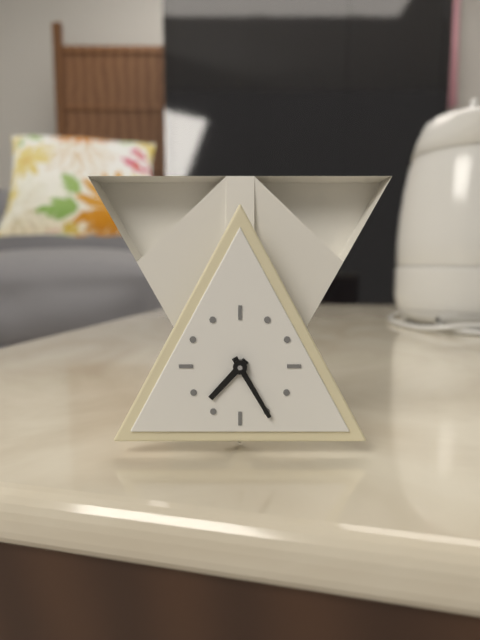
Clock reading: **7:25**
